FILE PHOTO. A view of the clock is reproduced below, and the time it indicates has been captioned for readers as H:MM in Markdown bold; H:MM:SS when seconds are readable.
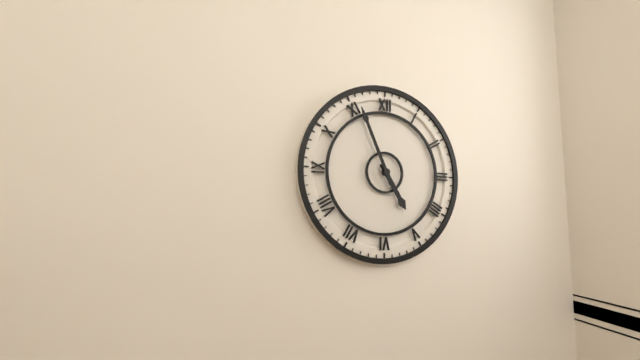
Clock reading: **4:56**
